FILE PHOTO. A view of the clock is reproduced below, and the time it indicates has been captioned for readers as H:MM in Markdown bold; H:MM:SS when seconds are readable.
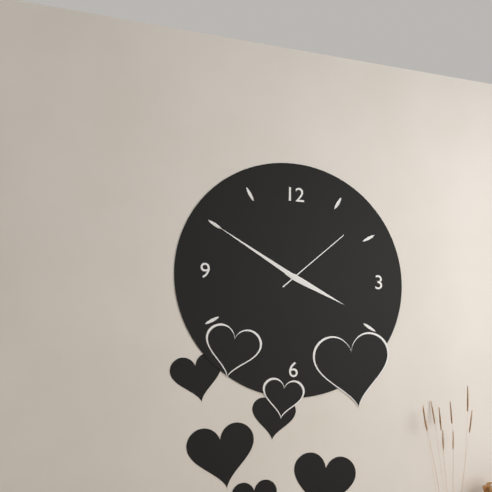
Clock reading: **3:50:08**
